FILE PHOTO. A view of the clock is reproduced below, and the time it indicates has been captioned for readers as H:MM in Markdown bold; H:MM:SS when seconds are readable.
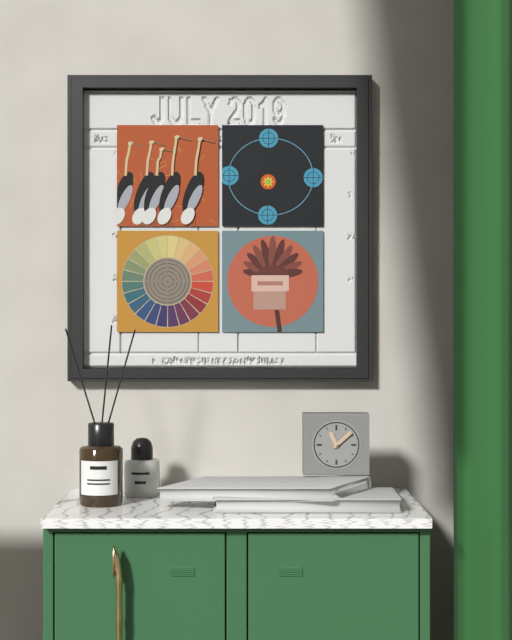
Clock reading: **11:08**
